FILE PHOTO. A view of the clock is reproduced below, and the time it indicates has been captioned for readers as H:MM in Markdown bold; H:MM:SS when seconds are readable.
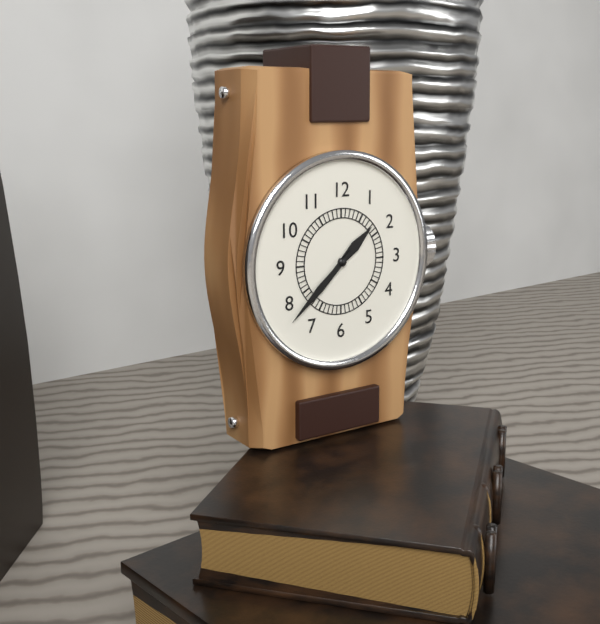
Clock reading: **1:38**
